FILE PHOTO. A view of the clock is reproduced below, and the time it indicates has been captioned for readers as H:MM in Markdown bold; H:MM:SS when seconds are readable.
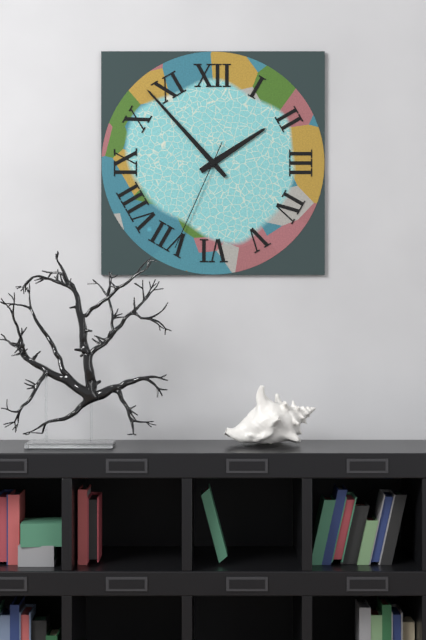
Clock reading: **1:53:34**
